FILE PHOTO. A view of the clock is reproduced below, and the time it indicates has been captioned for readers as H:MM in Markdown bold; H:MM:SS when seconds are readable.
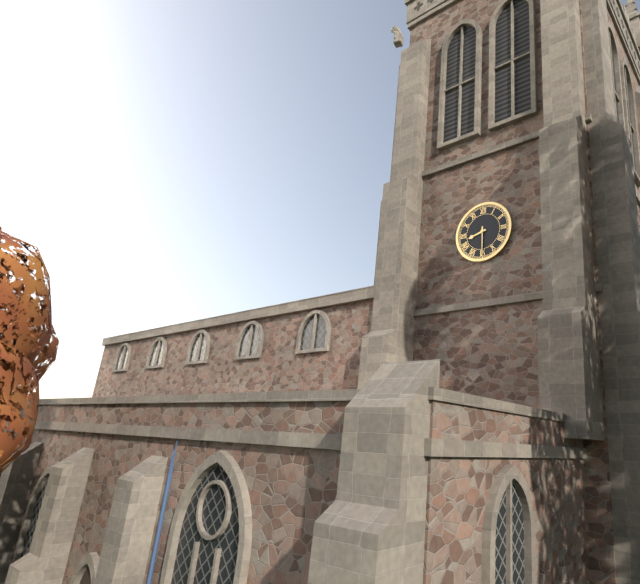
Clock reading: **8:30**
